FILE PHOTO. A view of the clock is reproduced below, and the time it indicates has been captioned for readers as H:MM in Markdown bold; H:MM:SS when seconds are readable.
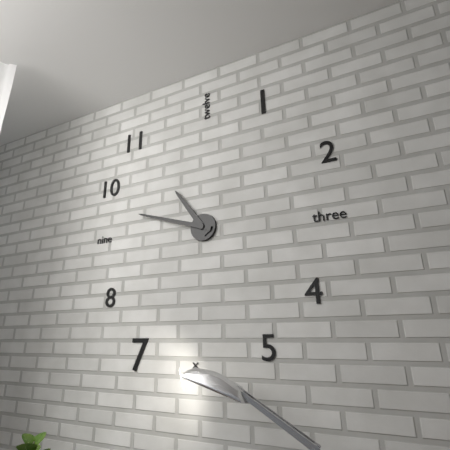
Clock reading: **10:48**
